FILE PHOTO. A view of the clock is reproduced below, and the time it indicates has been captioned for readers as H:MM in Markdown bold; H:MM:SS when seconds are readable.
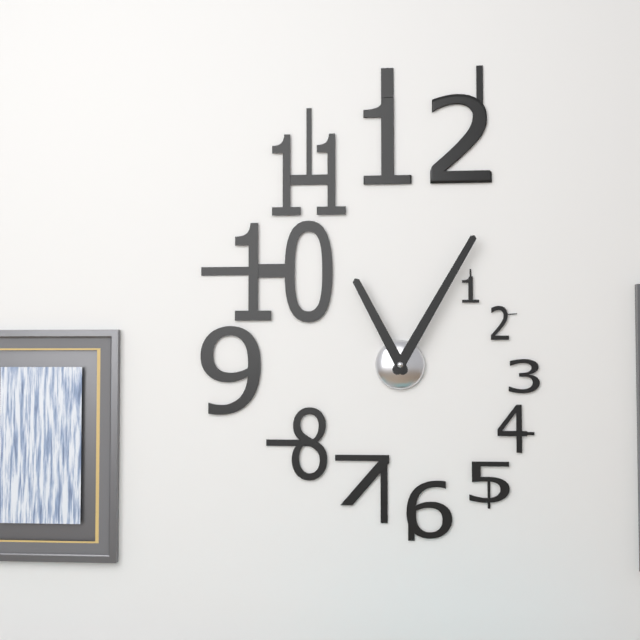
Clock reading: **11:05**
